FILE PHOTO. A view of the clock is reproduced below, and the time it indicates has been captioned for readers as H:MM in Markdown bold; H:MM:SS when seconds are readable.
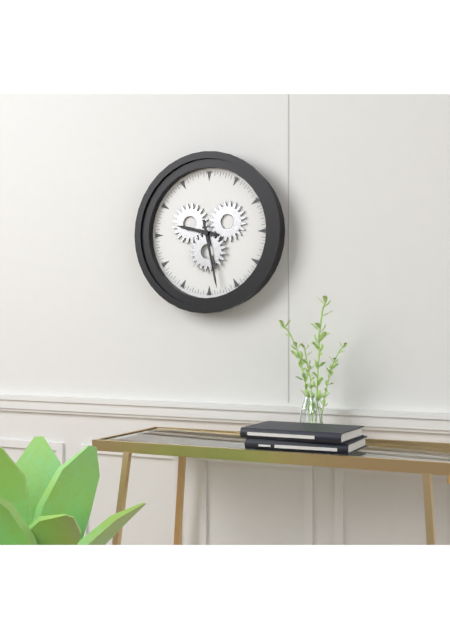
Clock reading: **9:28**
